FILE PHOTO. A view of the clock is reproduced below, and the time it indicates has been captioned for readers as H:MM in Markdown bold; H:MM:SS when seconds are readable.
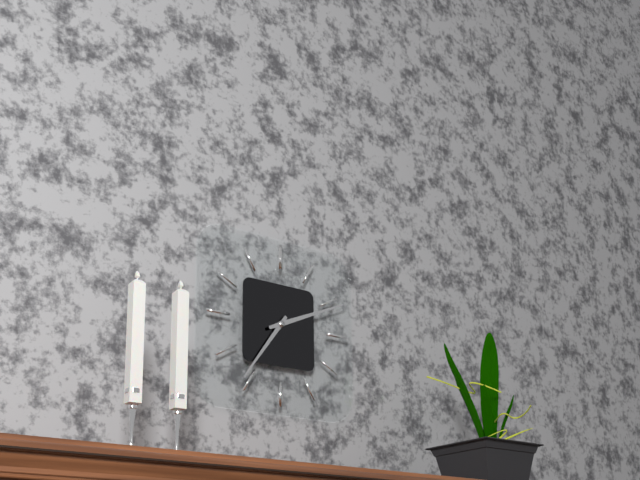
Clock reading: **7:11**
